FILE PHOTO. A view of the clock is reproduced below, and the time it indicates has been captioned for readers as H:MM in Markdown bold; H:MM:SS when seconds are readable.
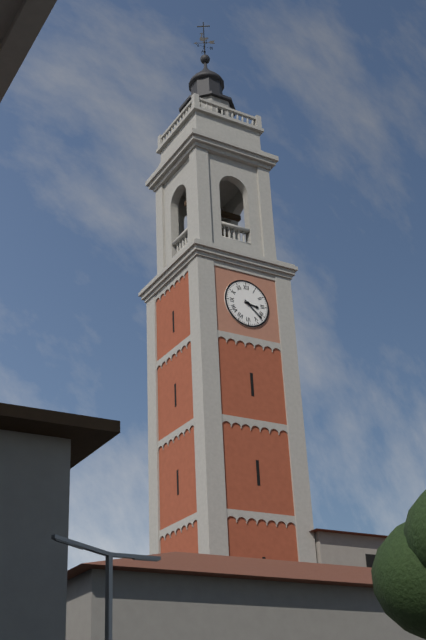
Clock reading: **3:22**
